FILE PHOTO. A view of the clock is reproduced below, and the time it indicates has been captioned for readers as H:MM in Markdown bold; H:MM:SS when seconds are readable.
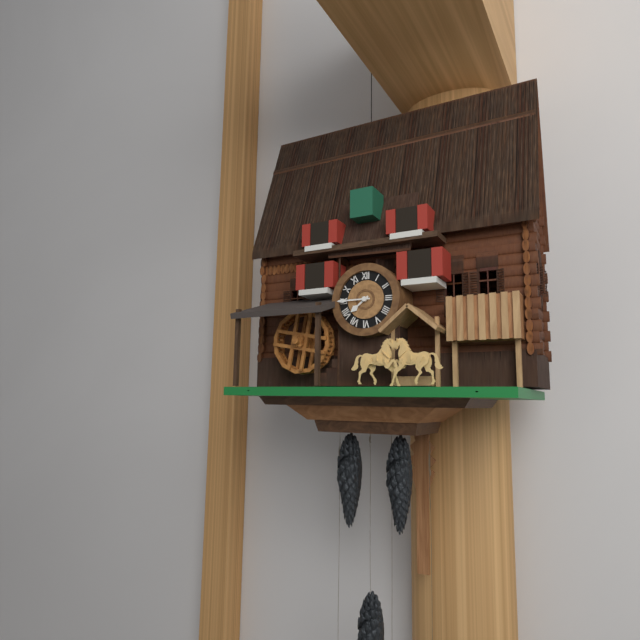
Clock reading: **7:45**
